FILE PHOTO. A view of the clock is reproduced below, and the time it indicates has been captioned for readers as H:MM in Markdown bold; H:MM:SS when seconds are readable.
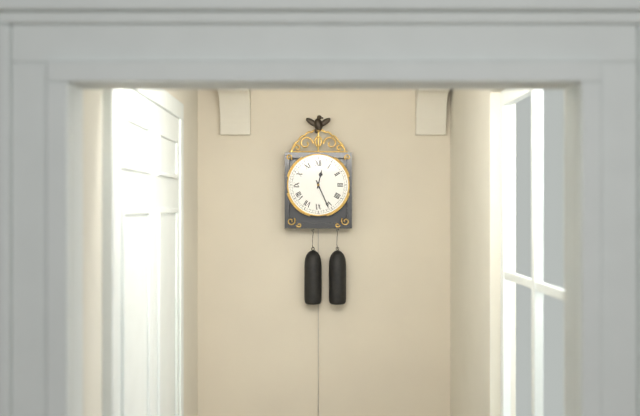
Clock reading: **12:26**
